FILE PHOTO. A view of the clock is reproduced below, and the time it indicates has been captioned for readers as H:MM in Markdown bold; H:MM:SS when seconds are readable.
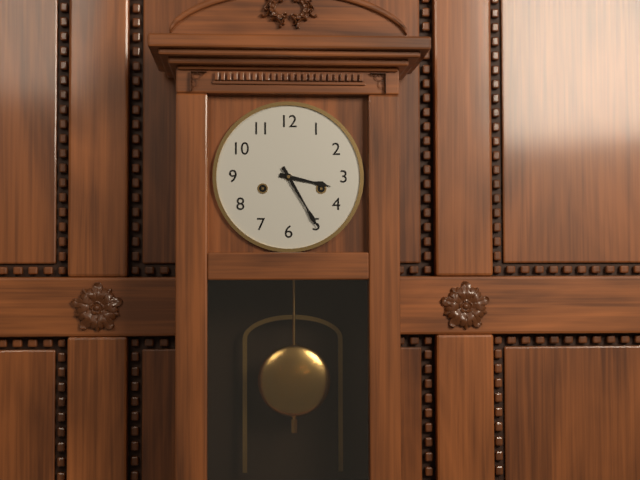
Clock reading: **3:25**
